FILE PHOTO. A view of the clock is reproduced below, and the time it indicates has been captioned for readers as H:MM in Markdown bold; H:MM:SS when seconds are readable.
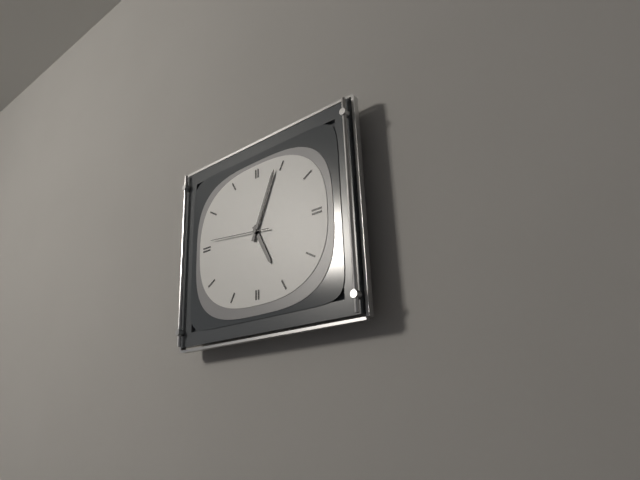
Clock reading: **5:04:46**
